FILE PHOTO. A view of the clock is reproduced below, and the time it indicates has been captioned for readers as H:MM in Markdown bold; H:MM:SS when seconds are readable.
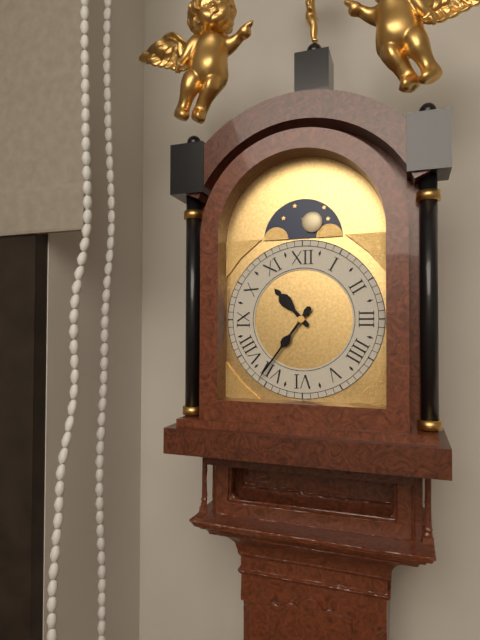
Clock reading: **10:36**
